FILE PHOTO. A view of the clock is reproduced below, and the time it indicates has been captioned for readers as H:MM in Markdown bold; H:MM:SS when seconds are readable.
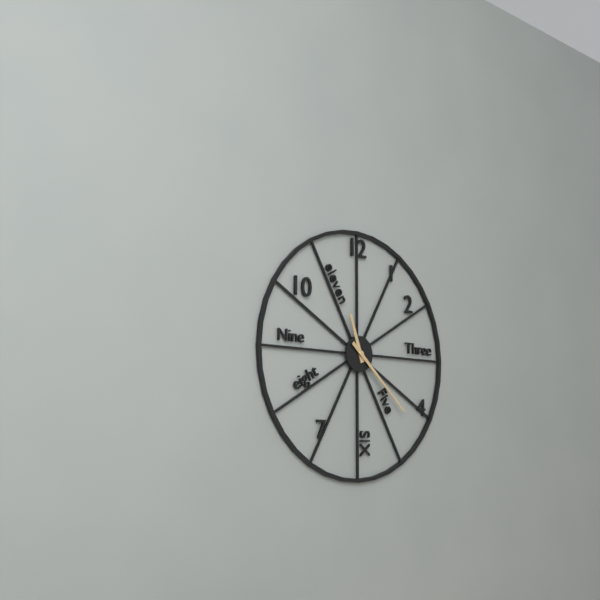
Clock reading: **11:22**
